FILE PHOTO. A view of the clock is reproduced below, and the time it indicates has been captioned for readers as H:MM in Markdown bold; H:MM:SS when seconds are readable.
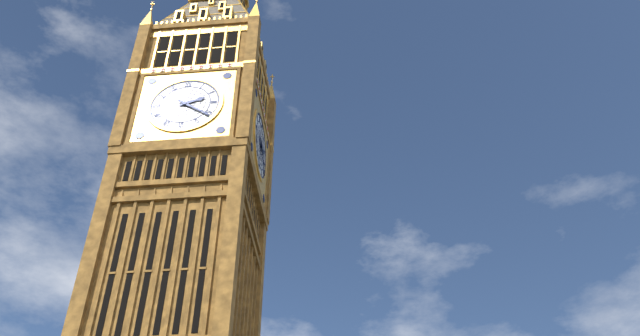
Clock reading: **2:21**
